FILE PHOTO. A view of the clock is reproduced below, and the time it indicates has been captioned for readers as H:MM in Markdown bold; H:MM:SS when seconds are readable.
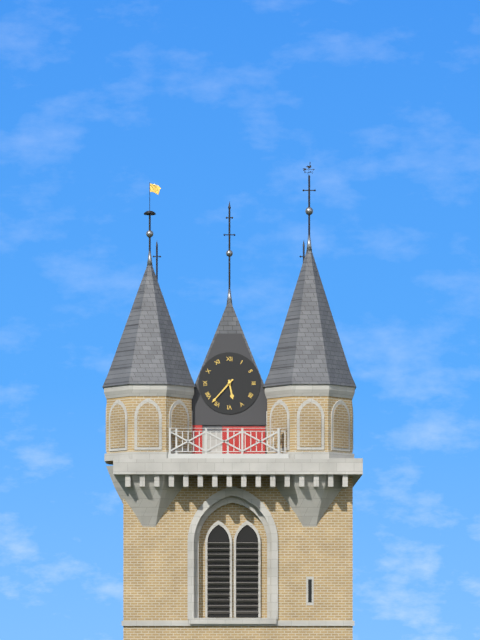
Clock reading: **5:37**
